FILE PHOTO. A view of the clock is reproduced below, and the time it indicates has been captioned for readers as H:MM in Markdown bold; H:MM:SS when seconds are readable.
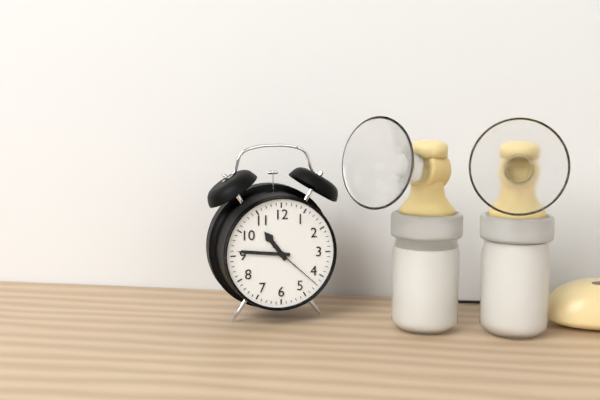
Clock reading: **10:46:22**
